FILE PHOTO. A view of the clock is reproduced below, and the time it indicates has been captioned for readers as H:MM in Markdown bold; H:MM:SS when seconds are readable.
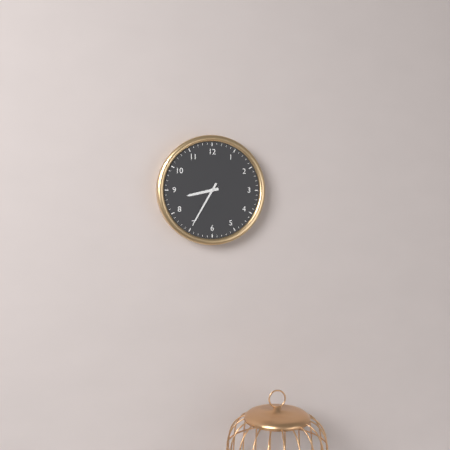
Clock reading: **8:35**
